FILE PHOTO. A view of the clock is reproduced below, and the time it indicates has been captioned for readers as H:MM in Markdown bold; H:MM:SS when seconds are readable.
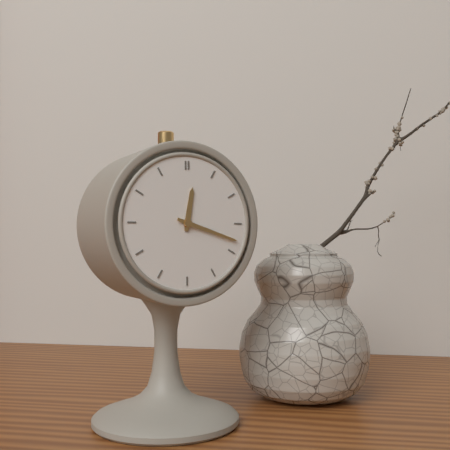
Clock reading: **12:18**
